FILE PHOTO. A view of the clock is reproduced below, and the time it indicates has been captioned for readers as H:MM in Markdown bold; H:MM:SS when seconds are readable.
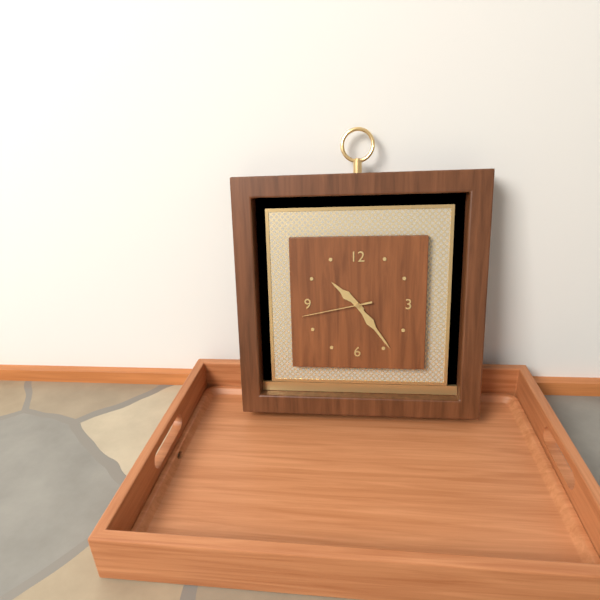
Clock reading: **10:24:43**
